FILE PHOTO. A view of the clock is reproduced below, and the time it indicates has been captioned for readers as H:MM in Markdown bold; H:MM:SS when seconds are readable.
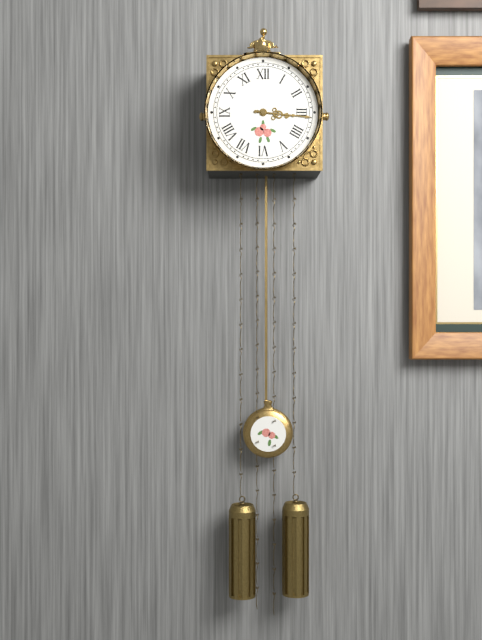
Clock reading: **3:16**
